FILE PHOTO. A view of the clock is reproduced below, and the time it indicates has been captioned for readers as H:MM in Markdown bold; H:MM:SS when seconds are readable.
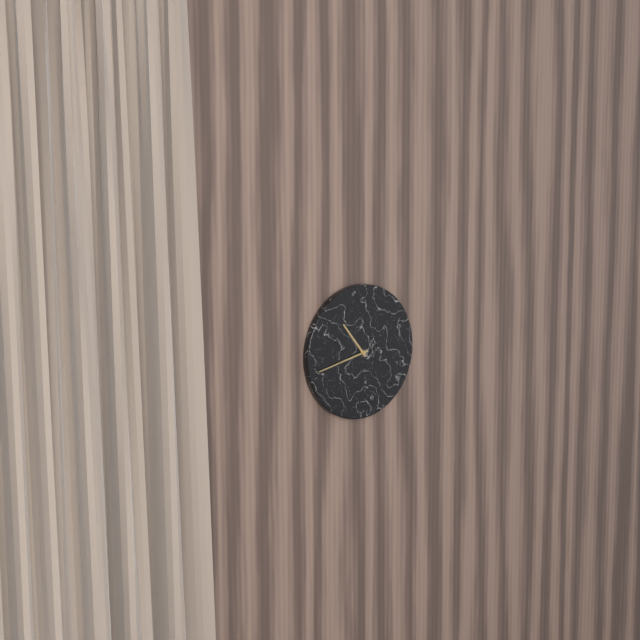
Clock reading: **10:43**
